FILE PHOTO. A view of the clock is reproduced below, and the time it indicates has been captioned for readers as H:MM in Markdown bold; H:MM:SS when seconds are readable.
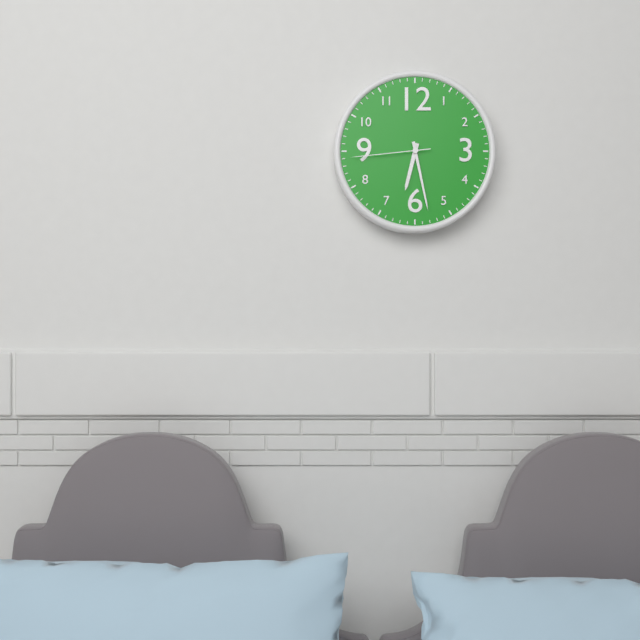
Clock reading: **6:28:44**
